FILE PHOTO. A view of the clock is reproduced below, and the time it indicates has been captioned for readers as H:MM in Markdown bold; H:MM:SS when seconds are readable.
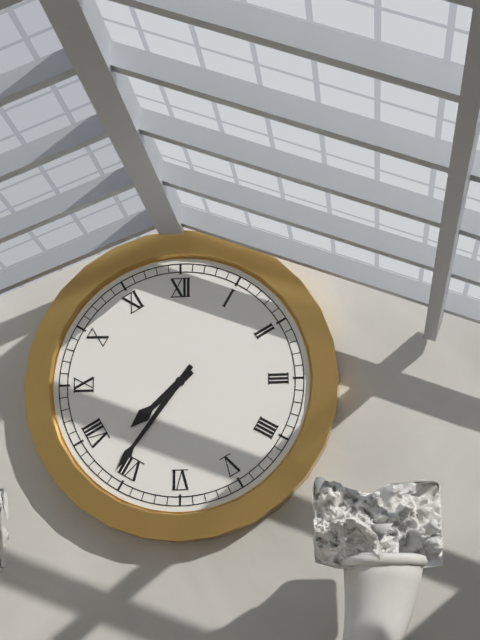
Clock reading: **7:36**
